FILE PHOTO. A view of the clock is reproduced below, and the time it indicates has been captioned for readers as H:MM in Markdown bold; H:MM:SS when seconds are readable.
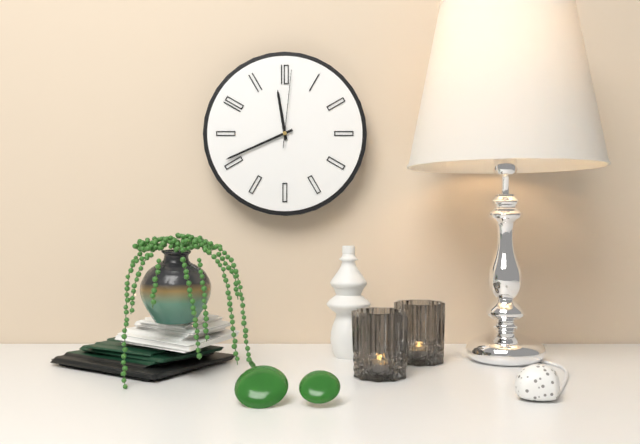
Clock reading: **11:41:01**
